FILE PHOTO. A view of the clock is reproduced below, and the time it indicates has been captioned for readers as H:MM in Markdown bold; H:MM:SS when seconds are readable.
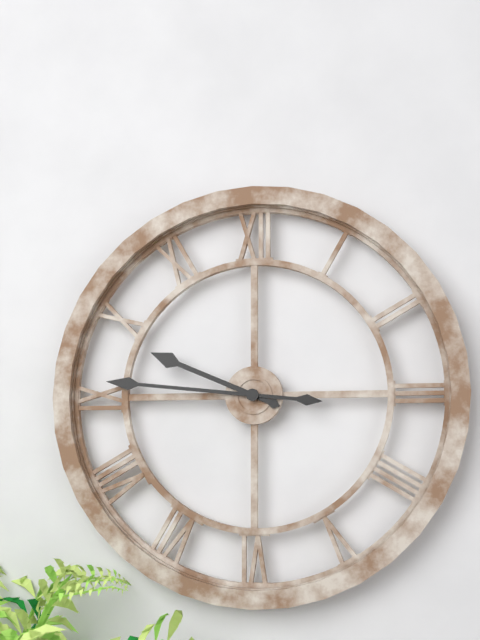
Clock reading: **9:46**
